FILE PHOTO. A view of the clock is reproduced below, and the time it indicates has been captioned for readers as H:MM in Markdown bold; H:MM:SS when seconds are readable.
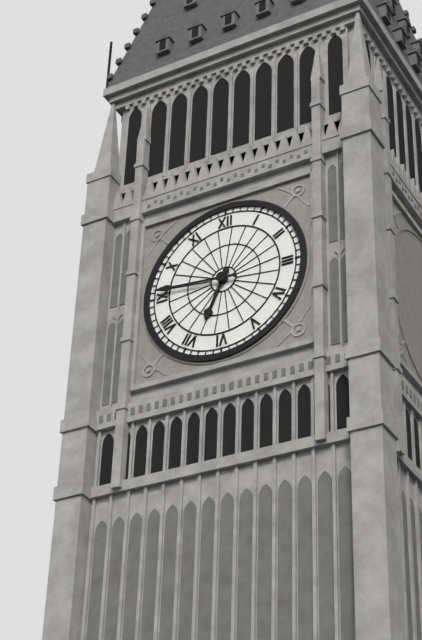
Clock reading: **6:46**
